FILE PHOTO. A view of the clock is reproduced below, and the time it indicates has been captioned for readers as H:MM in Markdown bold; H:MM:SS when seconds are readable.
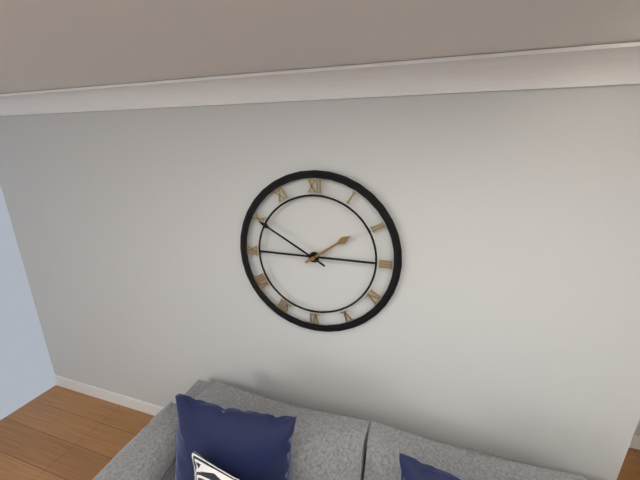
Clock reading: **1:50**
